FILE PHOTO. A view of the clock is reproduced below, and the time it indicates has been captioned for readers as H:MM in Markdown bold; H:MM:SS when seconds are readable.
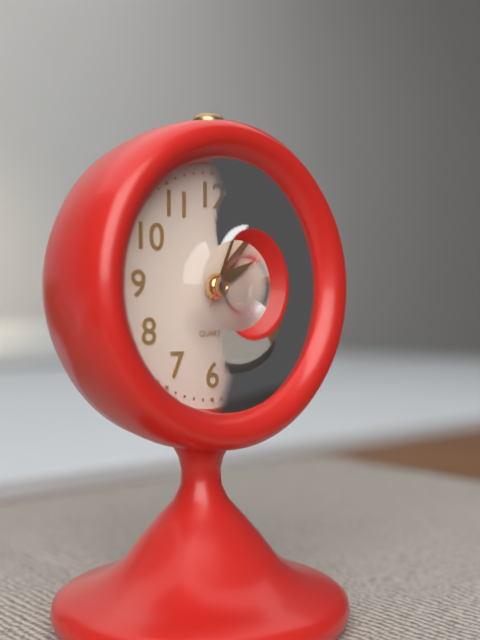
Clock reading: **2:07:04**
